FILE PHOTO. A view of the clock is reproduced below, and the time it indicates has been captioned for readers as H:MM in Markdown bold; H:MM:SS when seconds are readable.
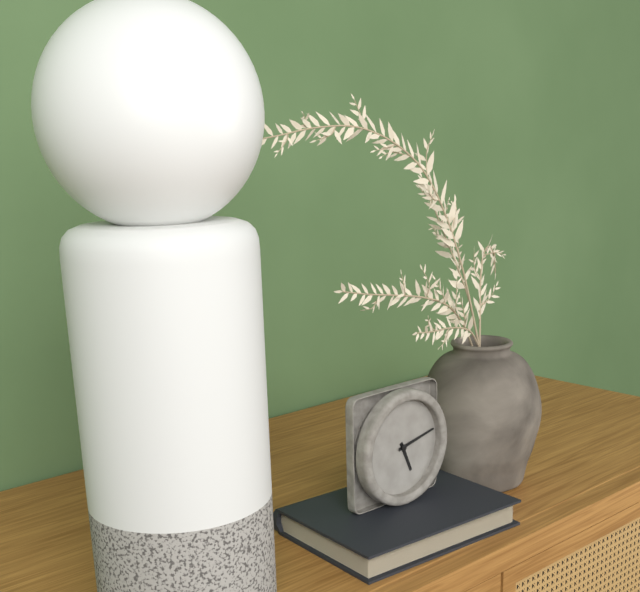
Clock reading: **5:13**
